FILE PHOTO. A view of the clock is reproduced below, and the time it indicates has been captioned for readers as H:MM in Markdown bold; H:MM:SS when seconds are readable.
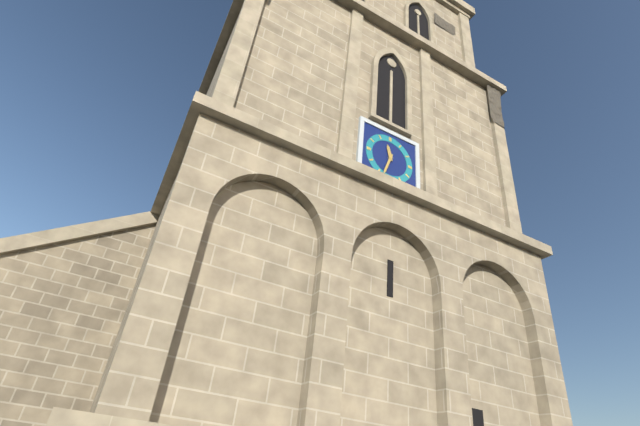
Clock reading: **11:33**
